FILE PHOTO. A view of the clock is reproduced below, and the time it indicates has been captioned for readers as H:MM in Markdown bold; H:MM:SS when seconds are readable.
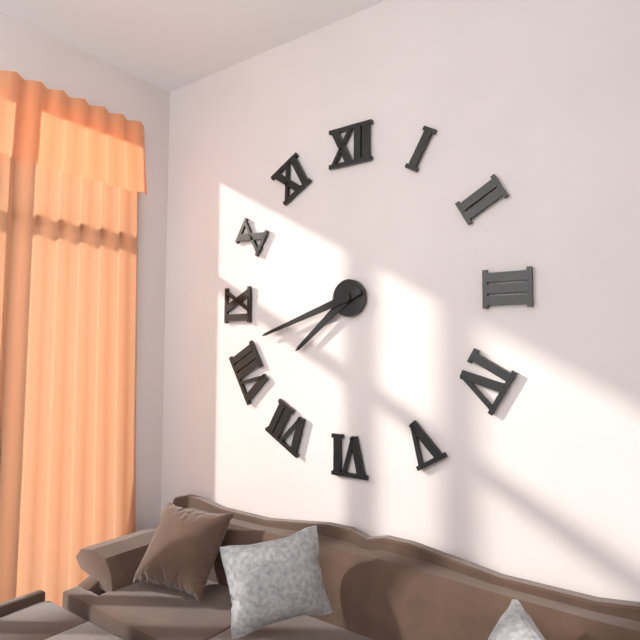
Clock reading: **7:42**
